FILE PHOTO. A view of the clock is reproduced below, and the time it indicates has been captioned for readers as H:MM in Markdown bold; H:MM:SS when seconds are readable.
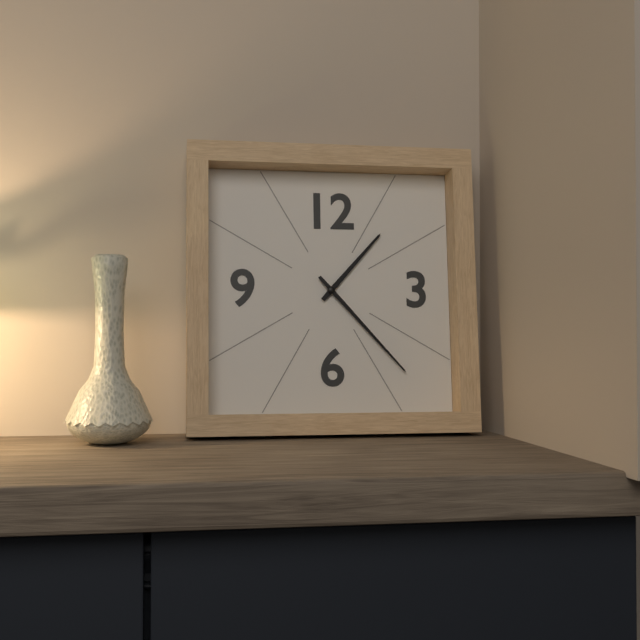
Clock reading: **1:23**
